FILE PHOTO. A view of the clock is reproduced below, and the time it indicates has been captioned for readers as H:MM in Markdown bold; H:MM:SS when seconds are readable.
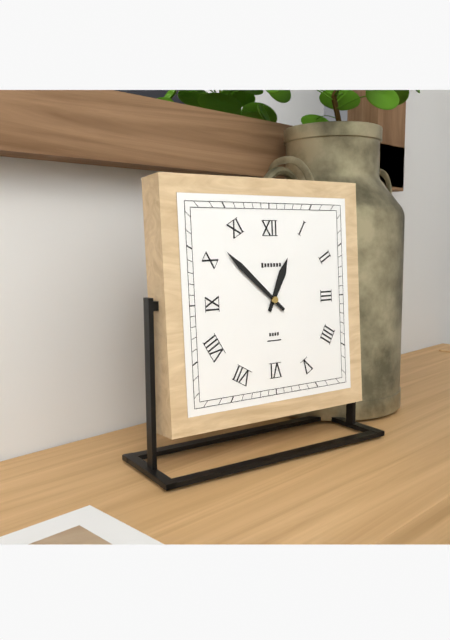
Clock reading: **12:52**
